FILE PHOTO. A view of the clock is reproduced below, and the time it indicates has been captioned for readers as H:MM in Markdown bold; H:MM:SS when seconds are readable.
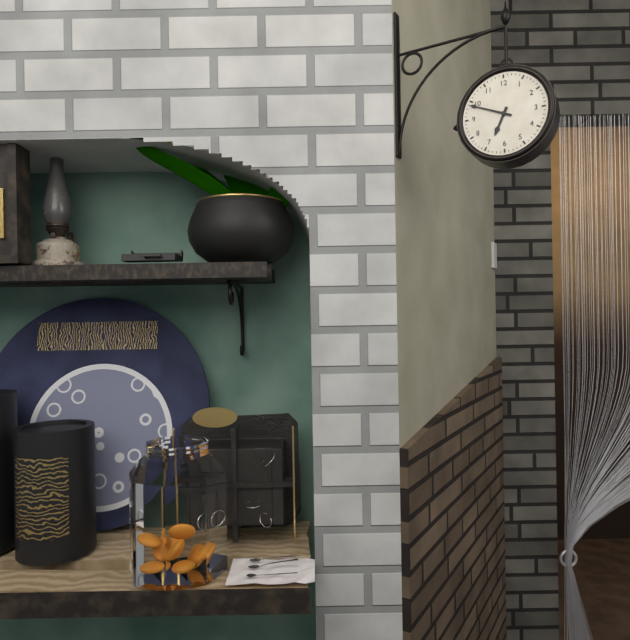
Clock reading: **6:49**
